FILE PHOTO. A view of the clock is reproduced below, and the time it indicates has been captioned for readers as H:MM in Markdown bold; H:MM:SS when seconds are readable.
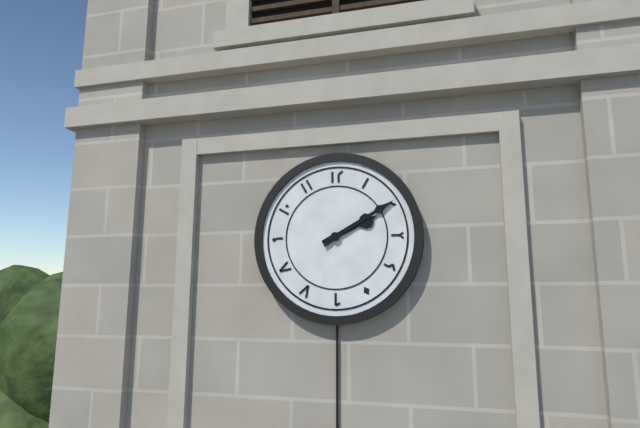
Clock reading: **2:10**
